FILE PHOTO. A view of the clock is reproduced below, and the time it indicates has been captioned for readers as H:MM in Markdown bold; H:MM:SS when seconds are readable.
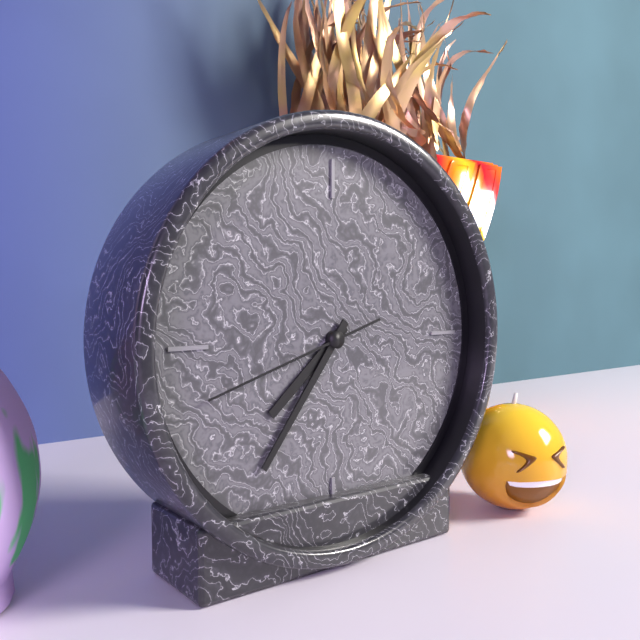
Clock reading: **7:36:42**
